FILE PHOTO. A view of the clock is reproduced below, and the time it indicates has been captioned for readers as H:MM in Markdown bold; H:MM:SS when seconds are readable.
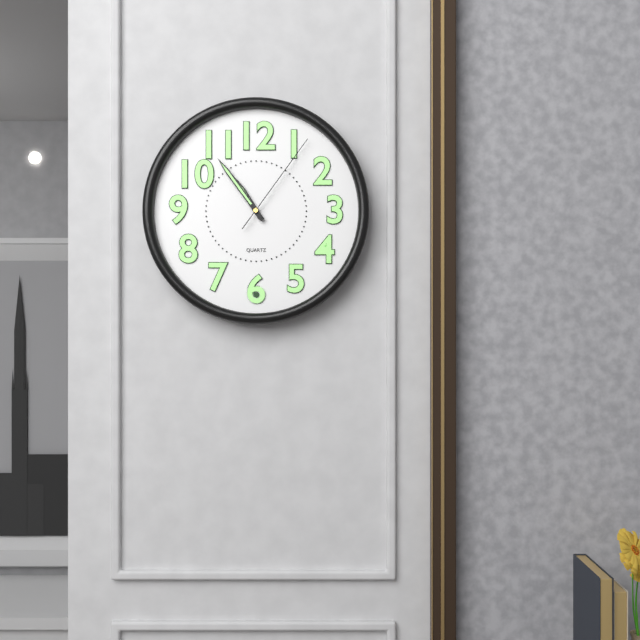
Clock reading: **10:54:06**
